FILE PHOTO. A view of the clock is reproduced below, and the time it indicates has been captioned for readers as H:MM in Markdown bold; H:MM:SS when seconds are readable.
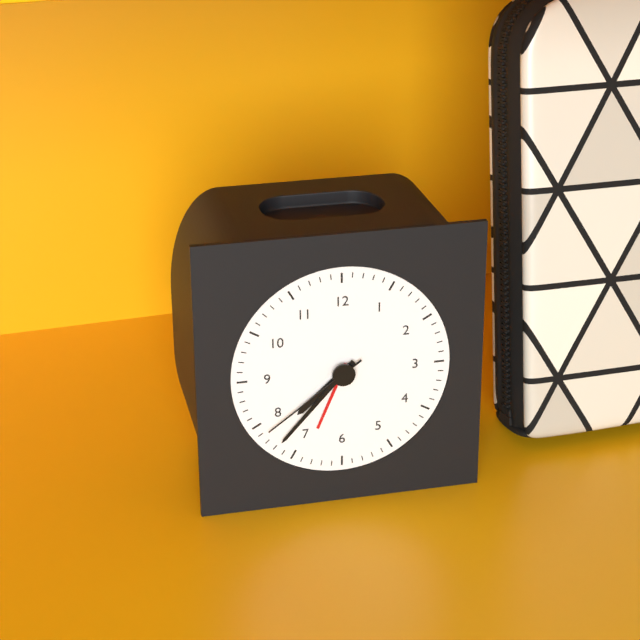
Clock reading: **7:37:39**
